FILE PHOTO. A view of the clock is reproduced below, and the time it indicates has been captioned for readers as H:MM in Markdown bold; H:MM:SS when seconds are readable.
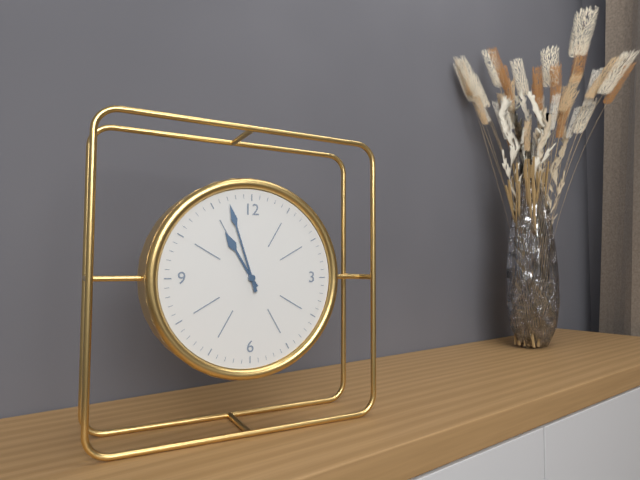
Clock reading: **10:57**
